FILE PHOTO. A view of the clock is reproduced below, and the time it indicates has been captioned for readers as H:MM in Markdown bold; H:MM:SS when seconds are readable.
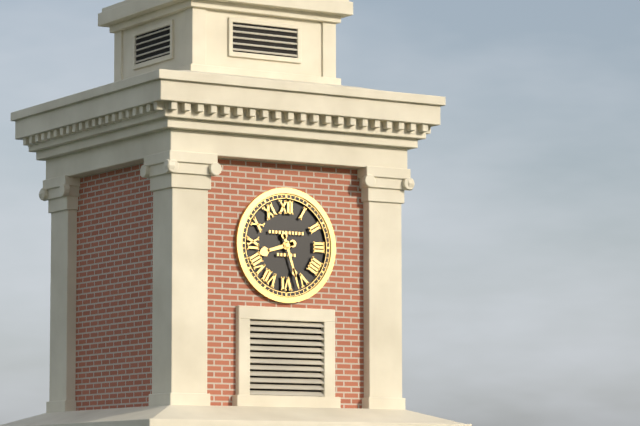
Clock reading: **8:27**
